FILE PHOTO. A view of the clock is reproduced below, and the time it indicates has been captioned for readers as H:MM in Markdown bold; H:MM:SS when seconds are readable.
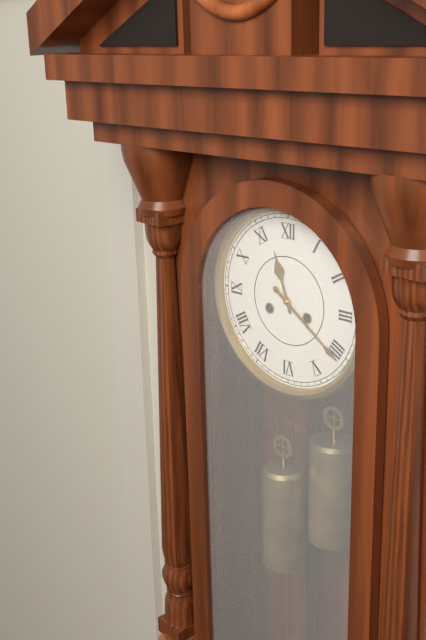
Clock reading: **11:21**
